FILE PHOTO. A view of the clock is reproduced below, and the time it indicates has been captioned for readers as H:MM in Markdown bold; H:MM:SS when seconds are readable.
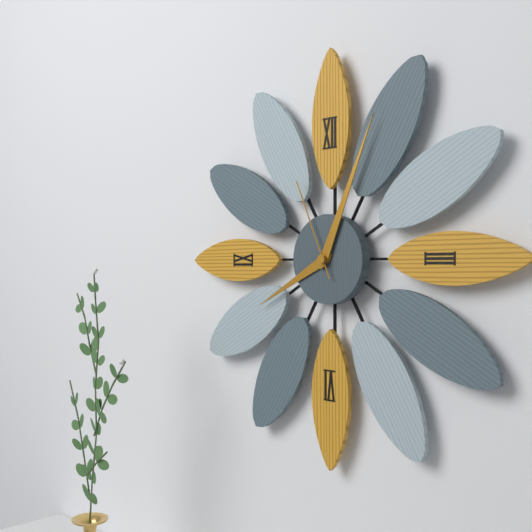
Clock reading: **8:04:56**
